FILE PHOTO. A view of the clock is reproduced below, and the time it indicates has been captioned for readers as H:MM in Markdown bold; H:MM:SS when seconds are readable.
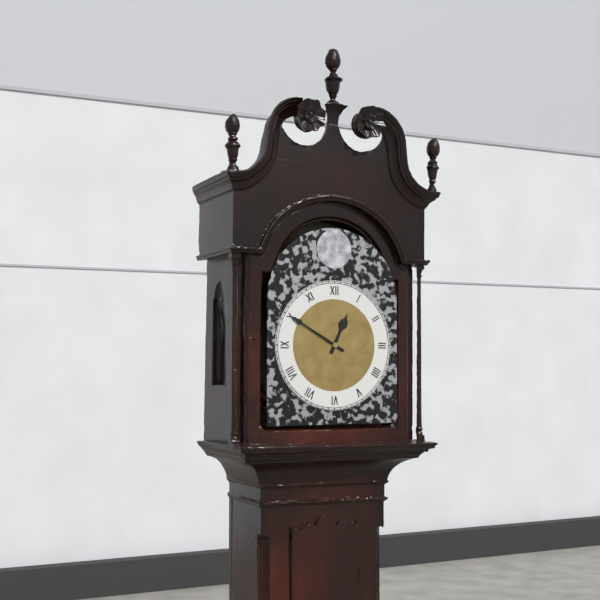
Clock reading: **12:50**
